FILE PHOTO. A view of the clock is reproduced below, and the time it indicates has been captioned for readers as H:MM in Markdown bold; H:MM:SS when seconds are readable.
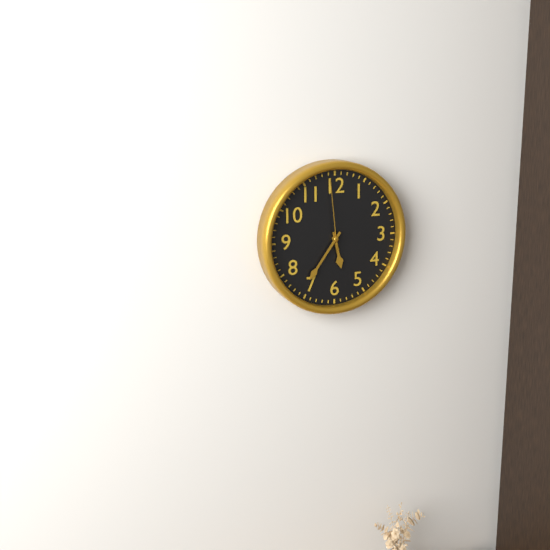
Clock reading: **5:36:59**
